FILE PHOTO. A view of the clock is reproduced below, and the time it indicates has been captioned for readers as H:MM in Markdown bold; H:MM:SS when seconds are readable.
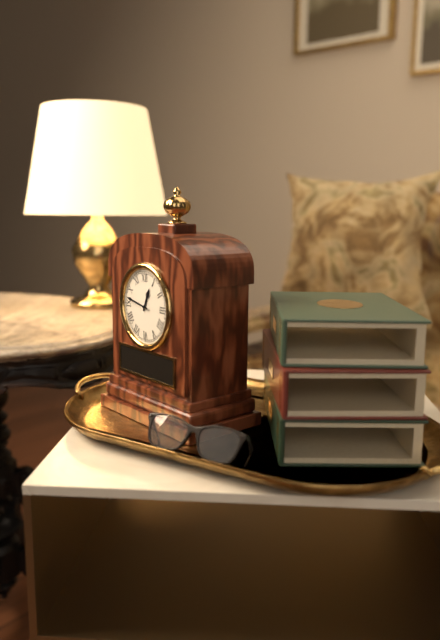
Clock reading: **12:47**
